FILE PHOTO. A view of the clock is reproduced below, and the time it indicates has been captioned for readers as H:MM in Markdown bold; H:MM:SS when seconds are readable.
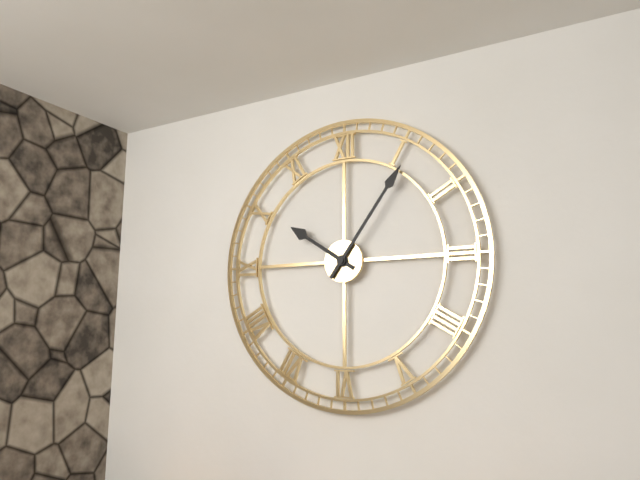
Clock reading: **10:06**
